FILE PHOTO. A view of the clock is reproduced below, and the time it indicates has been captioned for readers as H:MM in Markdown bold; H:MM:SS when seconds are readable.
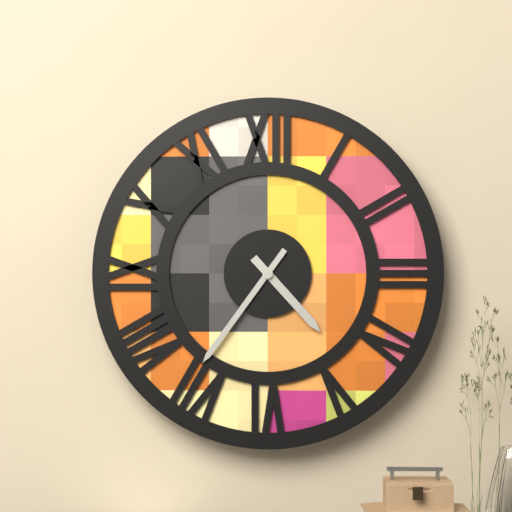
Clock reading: **4:36**
